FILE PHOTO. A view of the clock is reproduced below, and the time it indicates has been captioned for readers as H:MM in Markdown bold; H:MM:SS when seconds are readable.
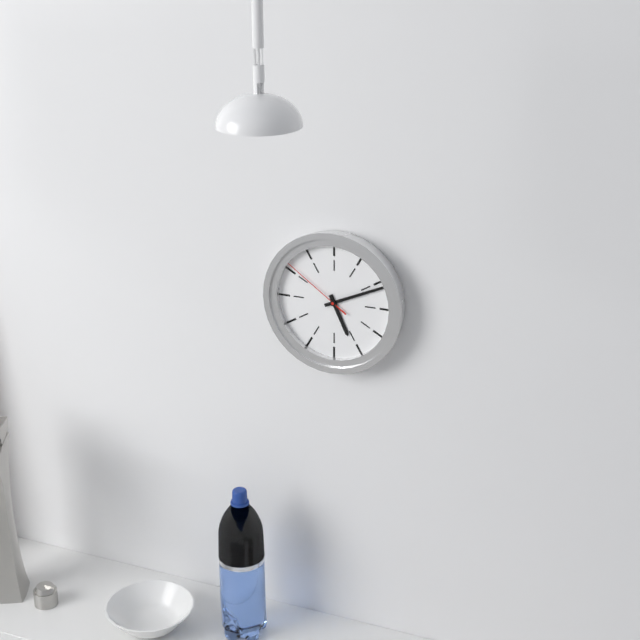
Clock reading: **5:11:51**
